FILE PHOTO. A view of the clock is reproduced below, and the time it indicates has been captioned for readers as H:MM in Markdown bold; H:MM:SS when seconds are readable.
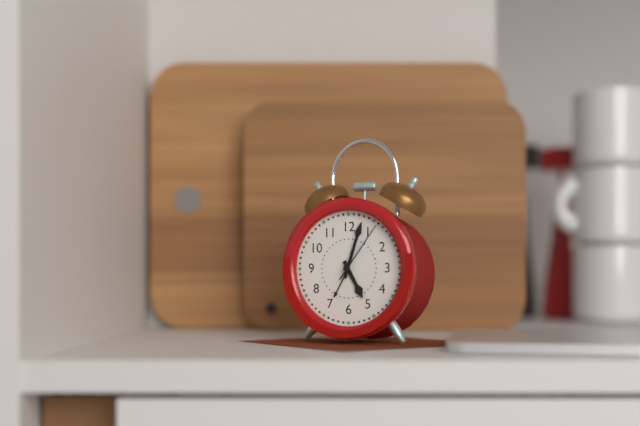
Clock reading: **5:03:06**
